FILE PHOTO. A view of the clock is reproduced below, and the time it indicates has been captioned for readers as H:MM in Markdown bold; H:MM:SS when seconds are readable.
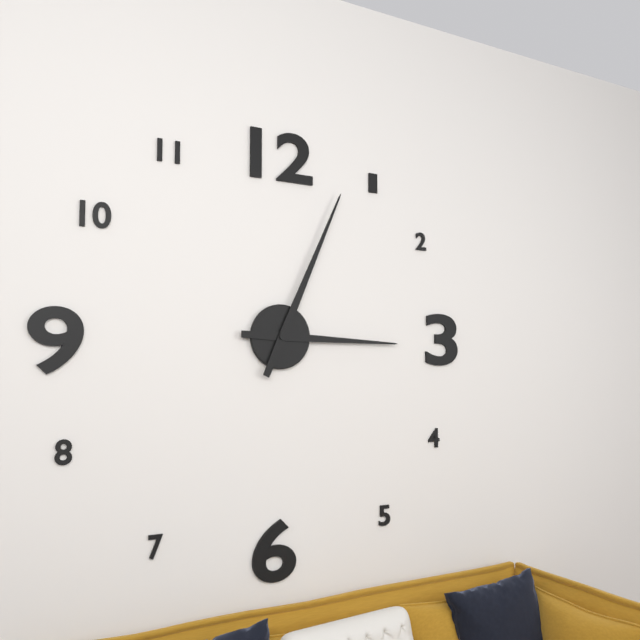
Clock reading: **3:04**
